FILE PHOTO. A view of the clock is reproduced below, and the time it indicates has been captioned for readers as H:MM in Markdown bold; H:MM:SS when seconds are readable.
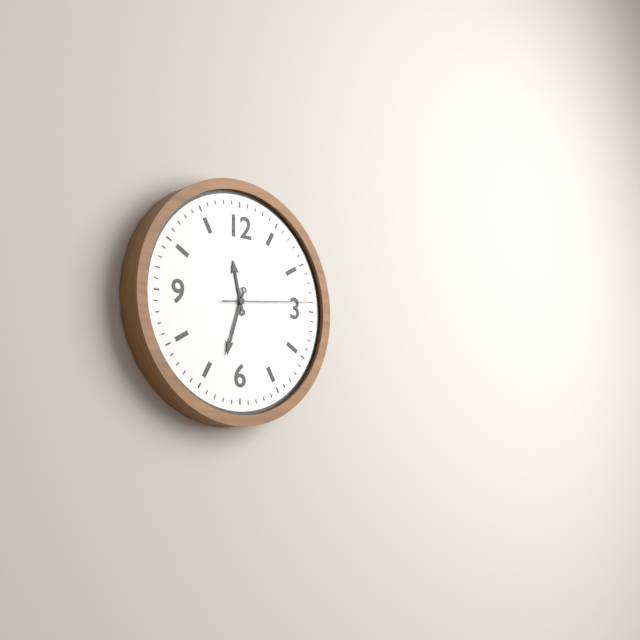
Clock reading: **11:33:14**
